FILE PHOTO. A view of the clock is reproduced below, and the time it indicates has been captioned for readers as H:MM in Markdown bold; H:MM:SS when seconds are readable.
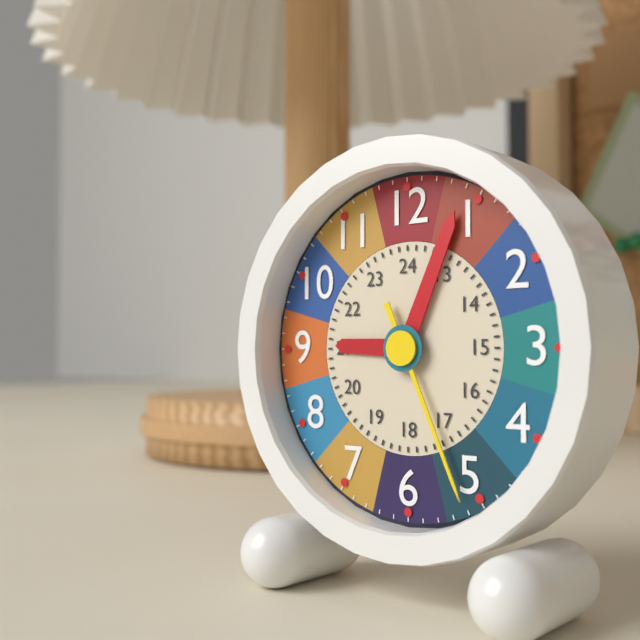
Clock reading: **9:04:26**
